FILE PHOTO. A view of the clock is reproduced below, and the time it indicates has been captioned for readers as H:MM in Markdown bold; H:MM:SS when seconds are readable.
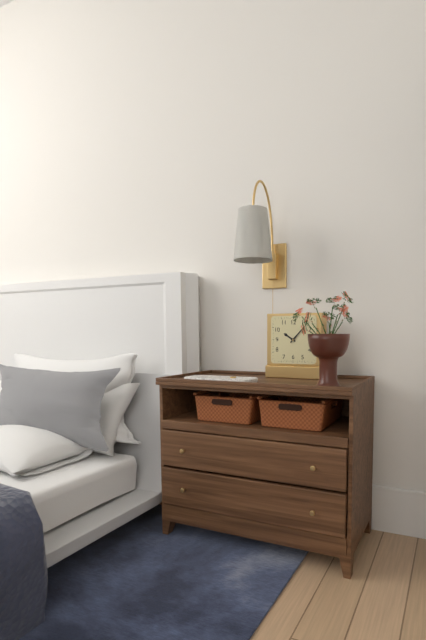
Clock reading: **10:07**
